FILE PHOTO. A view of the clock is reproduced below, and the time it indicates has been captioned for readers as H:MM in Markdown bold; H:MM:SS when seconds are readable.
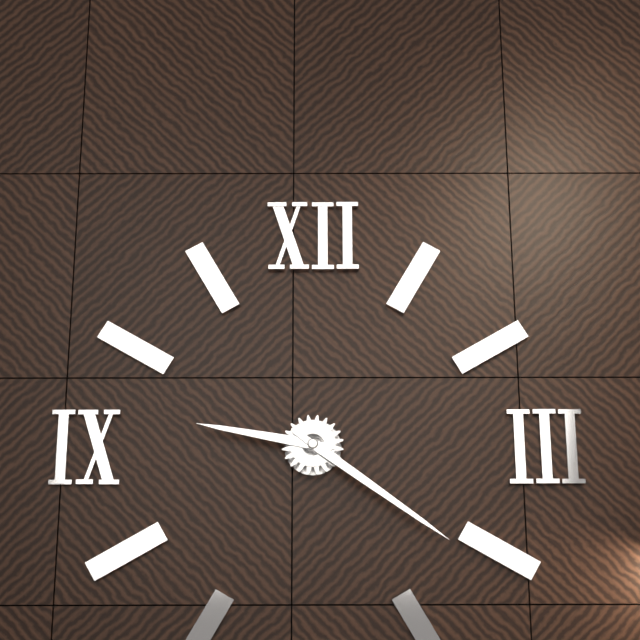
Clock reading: **9:21**
